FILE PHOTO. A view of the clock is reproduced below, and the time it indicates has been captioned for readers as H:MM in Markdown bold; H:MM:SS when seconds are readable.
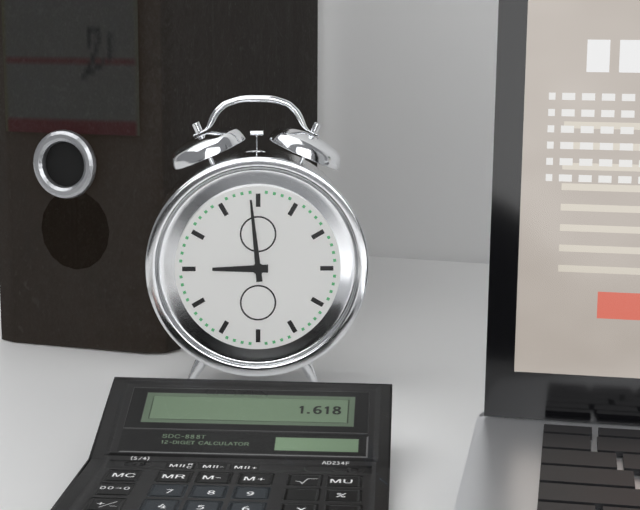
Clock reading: **8:59**
